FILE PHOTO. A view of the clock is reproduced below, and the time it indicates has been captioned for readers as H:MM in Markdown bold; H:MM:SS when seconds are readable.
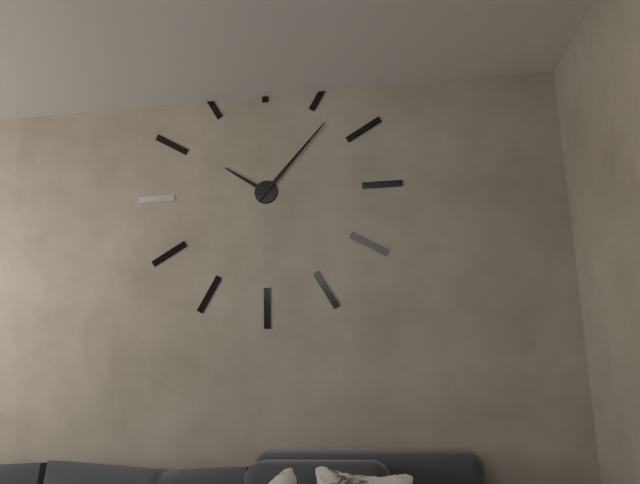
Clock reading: **10:07**
